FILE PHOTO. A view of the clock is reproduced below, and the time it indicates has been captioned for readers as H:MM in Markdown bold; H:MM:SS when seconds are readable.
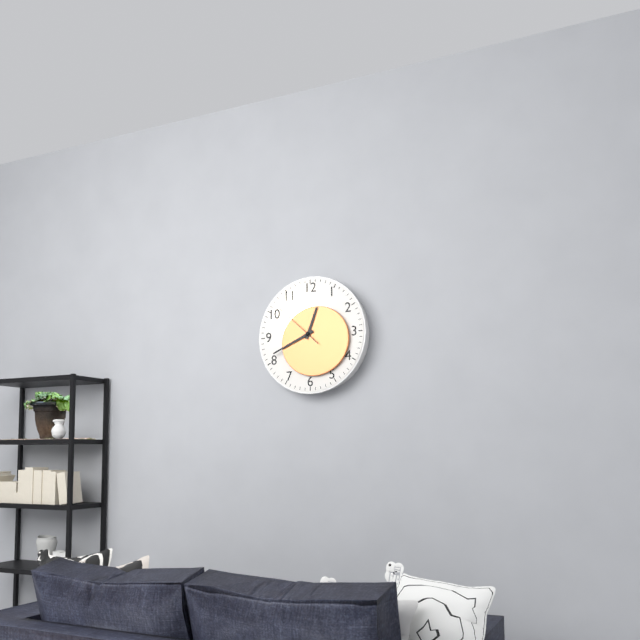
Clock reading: **12:41**
